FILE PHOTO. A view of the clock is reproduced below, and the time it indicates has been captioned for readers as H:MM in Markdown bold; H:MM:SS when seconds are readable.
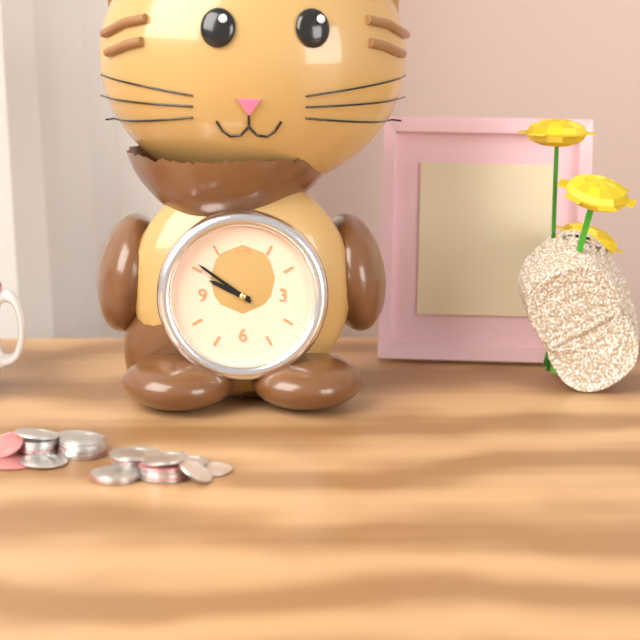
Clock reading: **9:51**
